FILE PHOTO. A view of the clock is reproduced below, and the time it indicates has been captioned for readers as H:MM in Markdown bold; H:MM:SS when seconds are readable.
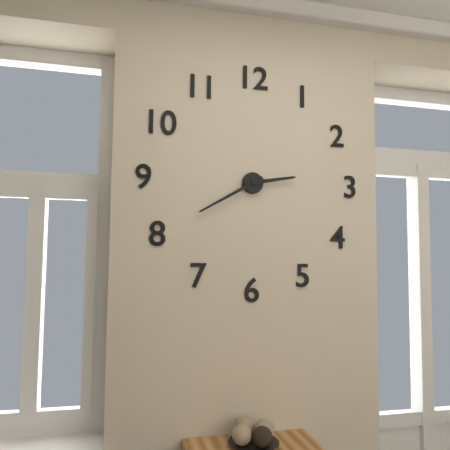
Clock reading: **2:40**
